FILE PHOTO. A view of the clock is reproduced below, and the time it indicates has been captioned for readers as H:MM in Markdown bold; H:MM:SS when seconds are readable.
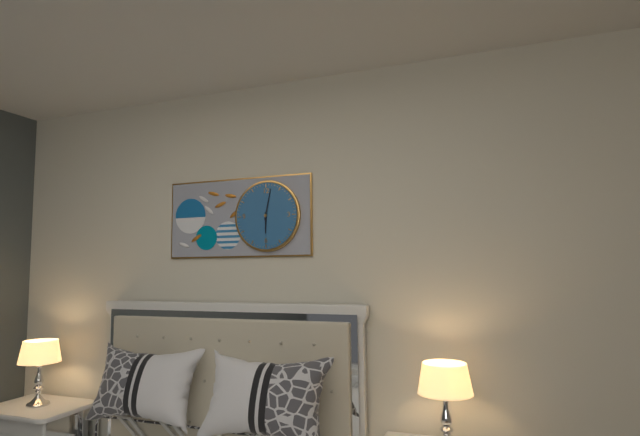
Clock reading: **6:02**
